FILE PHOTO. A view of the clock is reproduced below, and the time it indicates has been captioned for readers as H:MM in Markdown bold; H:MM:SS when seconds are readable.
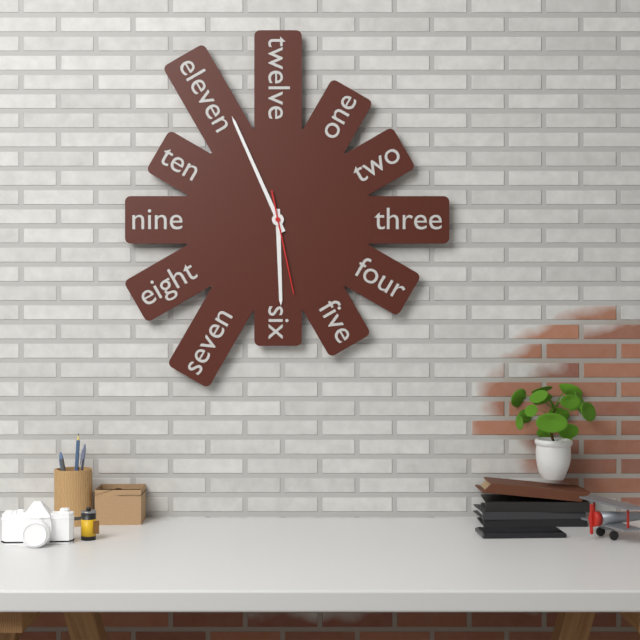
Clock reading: **5:56:28**
